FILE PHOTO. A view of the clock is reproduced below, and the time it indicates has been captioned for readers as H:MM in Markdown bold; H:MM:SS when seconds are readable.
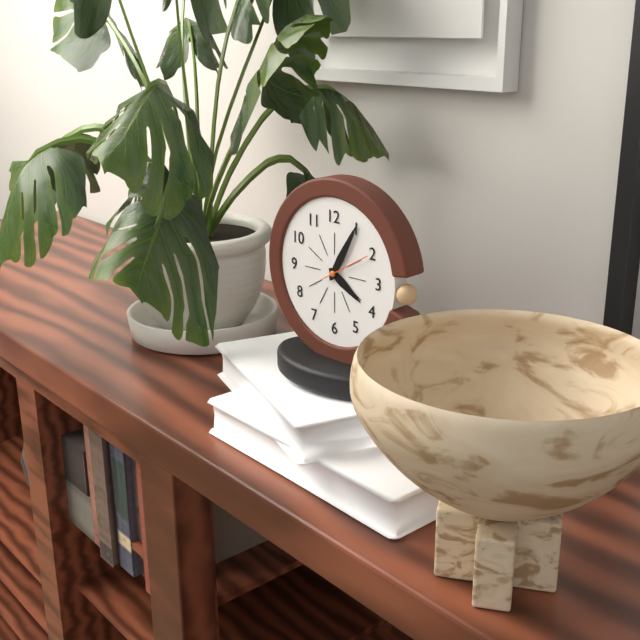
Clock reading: **4:05**
